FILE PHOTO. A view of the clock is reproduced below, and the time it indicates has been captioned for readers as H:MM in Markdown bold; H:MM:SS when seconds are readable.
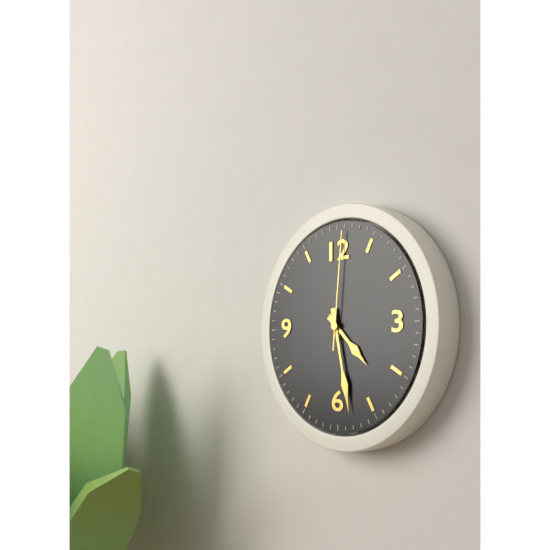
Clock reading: **4:28:01**
